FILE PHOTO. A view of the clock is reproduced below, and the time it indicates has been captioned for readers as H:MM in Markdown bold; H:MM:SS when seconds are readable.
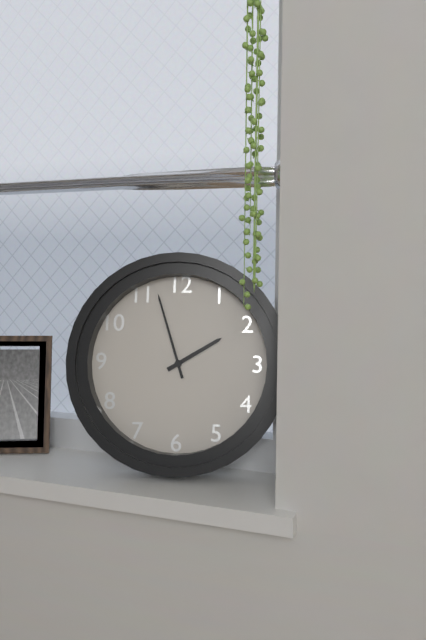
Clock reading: **1:57**
